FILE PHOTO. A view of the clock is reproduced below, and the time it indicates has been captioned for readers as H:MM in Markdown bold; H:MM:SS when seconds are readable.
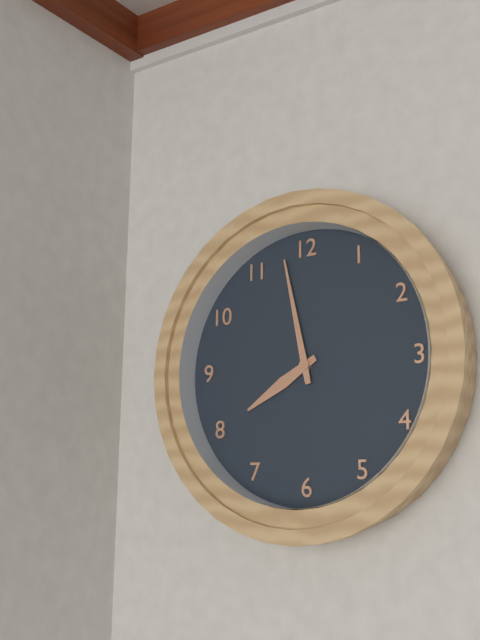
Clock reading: **7:58**
